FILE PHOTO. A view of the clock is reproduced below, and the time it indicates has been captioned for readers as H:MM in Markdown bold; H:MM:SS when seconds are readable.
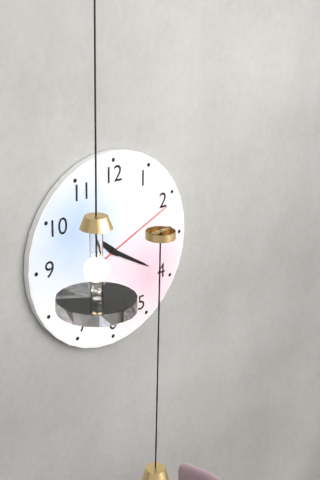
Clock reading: **10:20:11**
